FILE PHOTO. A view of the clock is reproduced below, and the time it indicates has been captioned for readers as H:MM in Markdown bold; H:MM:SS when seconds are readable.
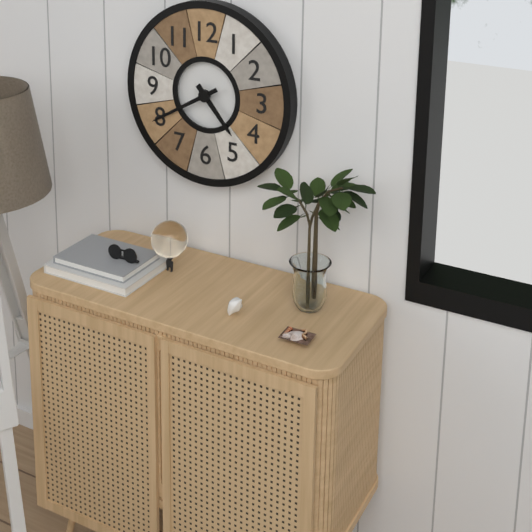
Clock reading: **4:40**
